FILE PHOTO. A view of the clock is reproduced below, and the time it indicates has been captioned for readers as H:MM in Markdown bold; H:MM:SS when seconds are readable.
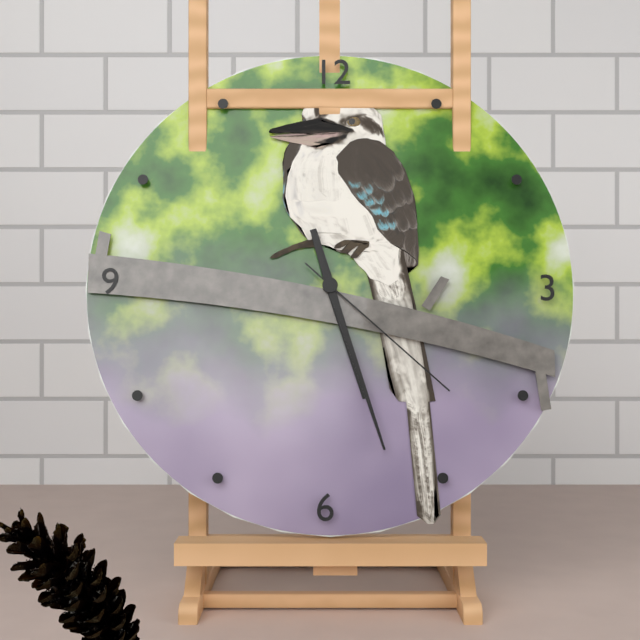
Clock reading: **5:27:22**
